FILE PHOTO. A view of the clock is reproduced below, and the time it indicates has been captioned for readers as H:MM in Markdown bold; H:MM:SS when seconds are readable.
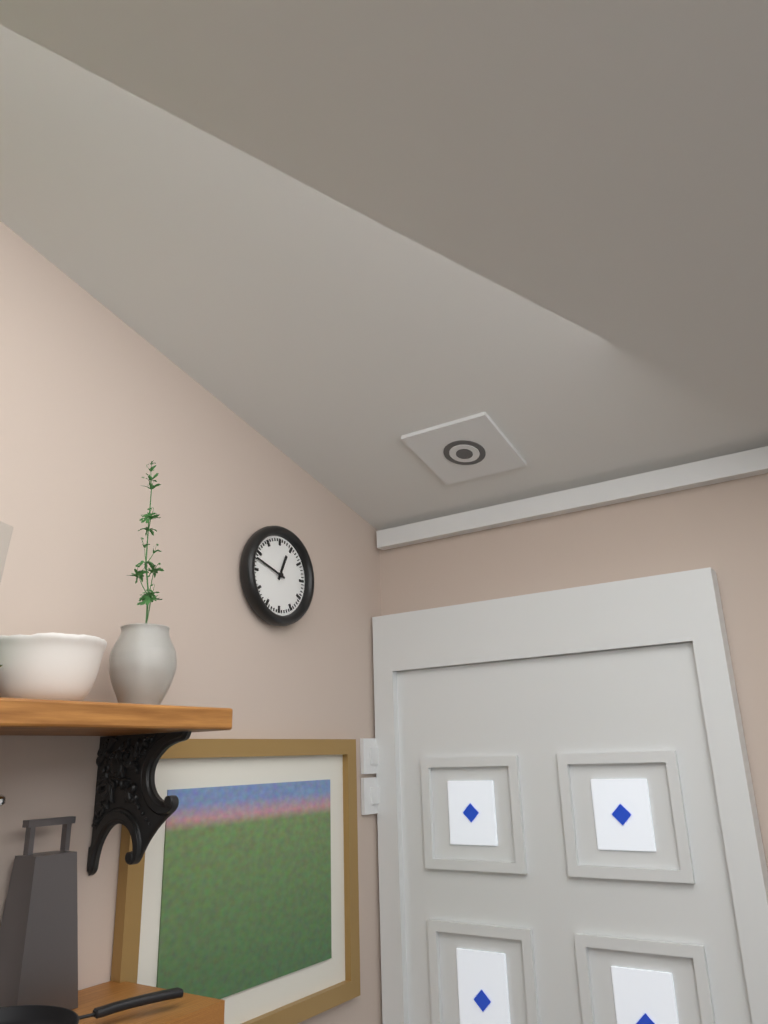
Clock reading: **12:48**
